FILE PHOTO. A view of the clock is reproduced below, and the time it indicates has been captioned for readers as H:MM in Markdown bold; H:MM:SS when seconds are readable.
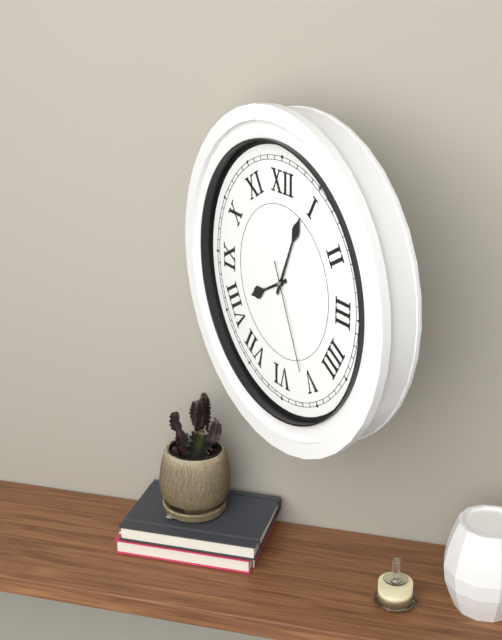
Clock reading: **8:04:26**
